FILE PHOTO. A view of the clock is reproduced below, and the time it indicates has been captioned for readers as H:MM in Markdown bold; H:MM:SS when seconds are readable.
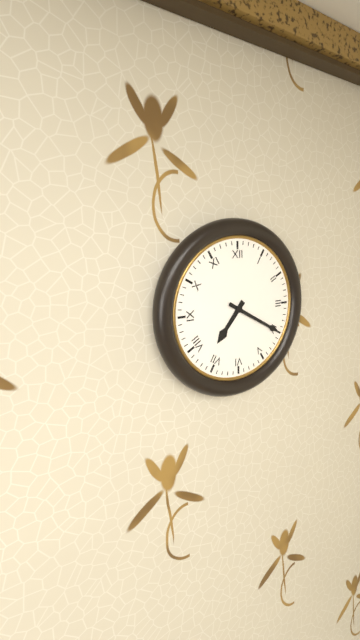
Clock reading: **7:20**
